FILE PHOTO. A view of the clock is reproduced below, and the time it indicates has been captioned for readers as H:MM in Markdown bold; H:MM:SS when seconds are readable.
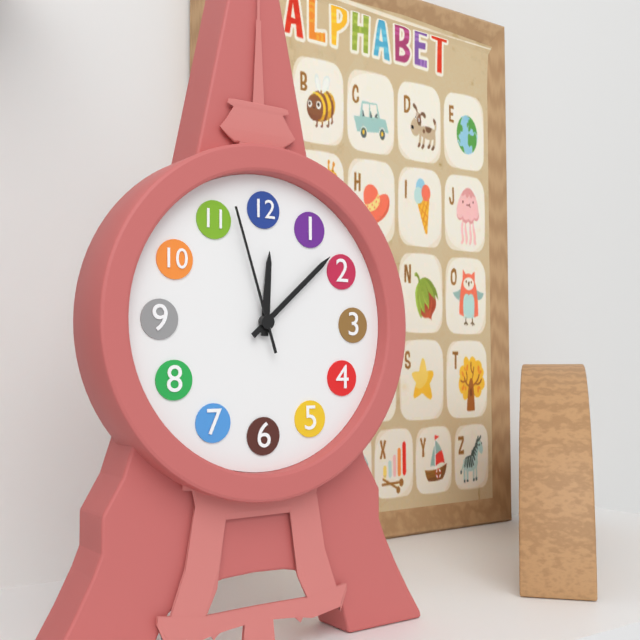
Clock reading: **12:08:57**
